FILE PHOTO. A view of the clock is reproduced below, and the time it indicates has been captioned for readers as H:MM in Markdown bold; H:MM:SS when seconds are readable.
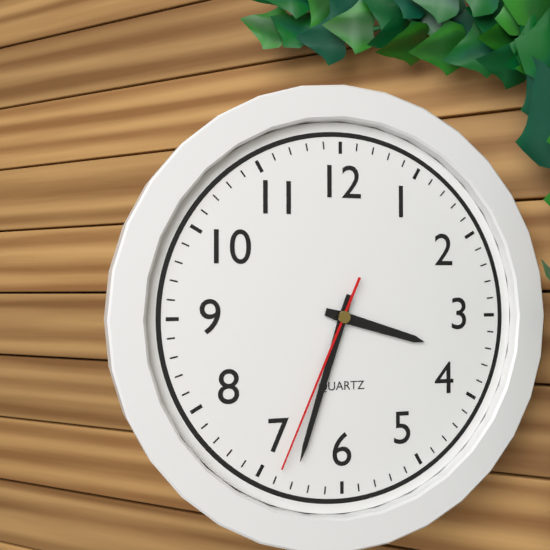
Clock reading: **3:33:34**
